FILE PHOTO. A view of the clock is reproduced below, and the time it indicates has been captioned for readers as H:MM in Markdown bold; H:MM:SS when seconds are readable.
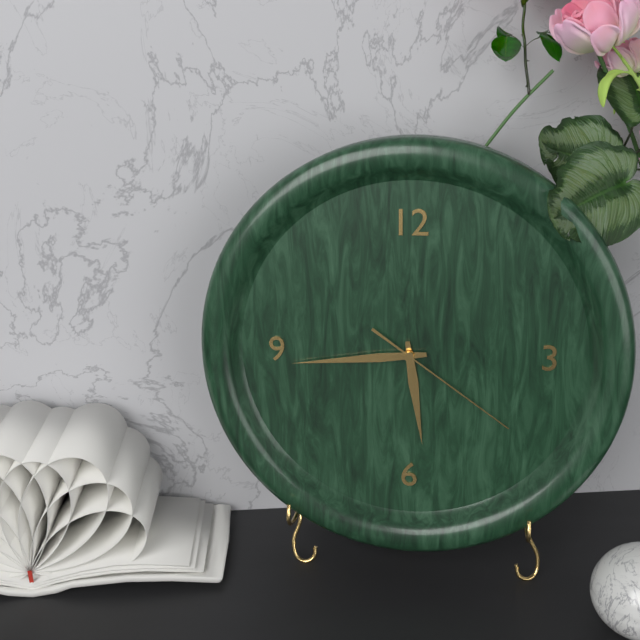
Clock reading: **5:44:21**
